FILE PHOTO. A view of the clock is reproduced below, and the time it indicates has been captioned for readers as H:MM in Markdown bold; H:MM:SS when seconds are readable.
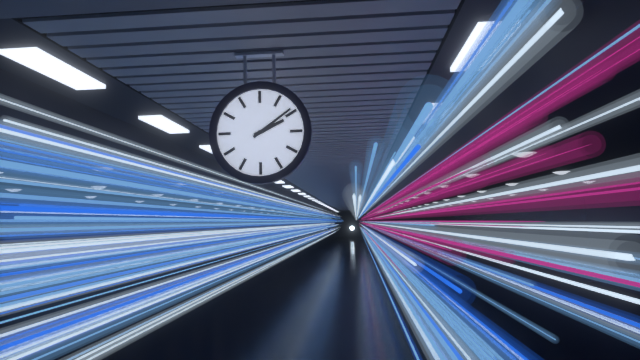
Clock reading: **2:09**
